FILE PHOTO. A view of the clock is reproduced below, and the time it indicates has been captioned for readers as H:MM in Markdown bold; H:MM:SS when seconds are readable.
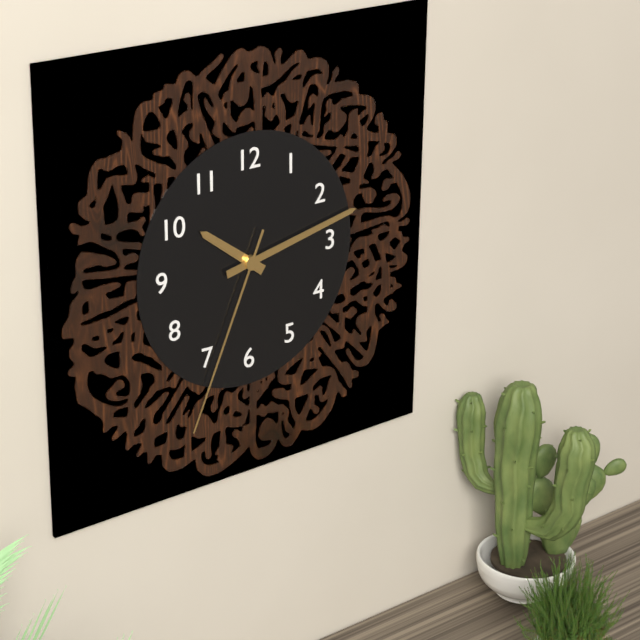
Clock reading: **10:13:34**
